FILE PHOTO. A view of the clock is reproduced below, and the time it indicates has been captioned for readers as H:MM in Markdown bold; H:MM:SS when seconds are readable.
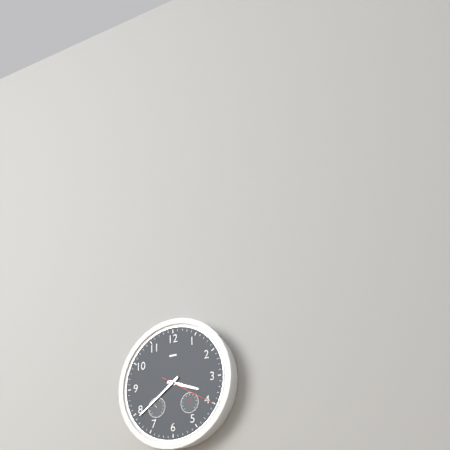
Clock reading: **3:39:20**
